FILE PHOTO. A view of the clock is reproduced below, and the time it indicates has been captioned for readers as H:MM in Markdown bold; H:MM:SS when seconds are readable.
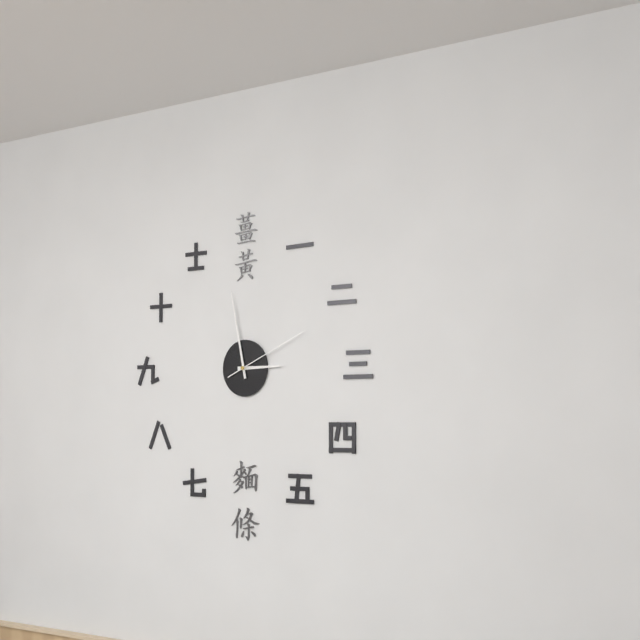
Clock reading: **2:58:11**
